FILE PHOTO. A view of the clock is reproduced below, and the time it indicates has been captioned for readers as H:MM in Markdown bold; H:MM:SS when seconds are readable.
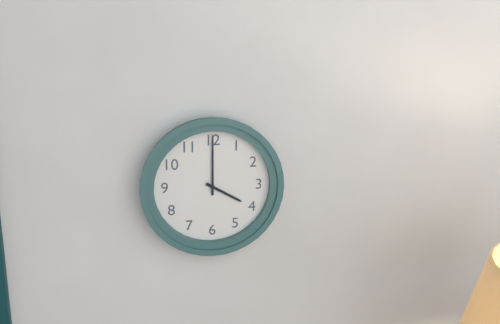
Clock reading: **4:00**
